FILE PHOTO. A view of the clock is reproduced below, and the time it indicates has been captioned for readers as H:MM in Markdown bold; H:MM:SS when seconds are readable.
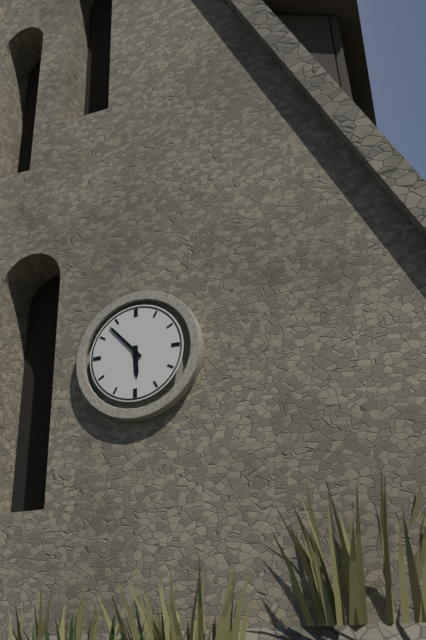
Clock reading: **5:53**
